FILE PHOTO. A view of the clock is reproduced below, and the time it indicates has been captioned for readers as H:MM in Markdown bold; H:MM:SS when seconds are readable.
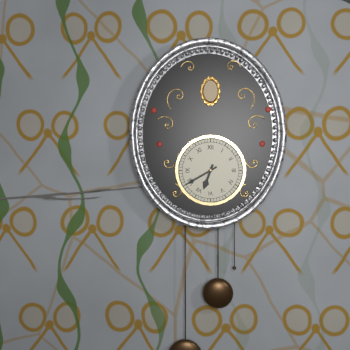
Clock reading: **6:40**
